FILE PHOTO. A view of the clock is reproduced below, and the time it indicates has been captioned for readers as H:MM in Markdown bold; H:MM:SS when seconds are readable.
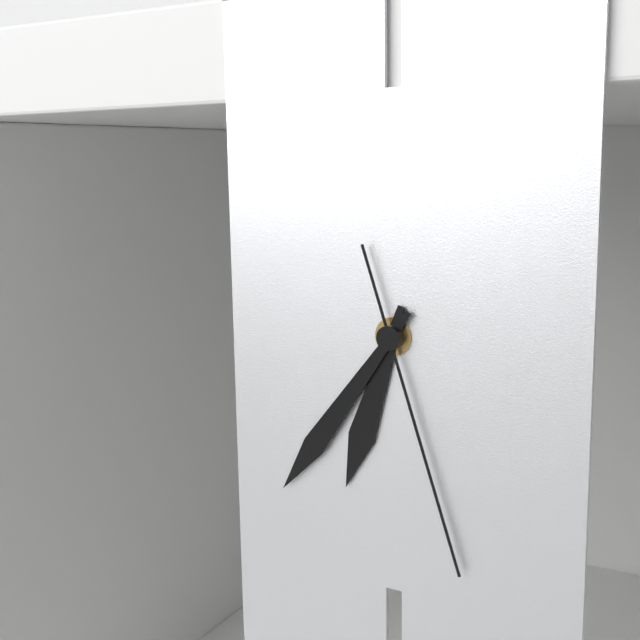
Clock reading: **6:36:27**
